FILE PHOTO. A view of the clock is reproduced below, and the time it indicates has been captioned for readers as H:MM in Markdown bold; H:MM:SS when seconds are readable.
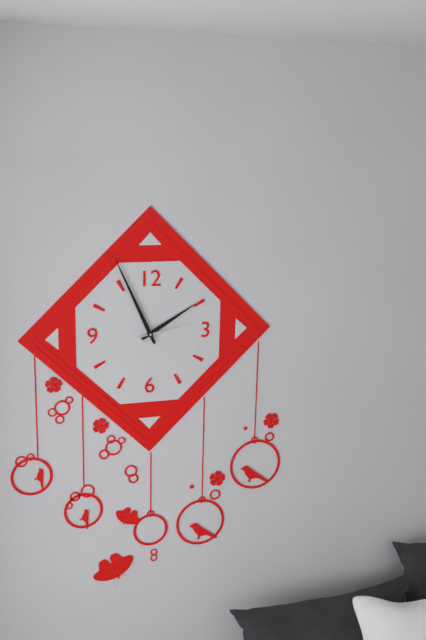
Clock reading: **1:56:13**
